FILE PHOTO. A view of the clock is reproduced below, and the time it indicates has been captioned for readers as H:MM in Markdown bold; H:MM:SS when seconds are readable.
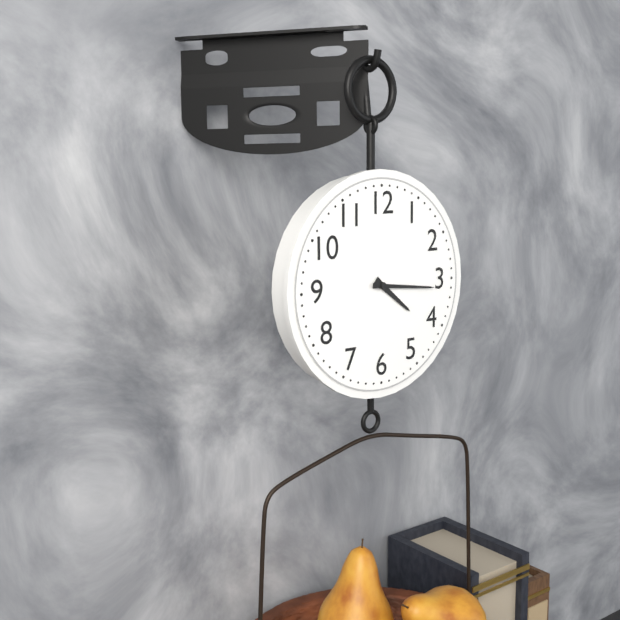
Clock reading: **4:16**
